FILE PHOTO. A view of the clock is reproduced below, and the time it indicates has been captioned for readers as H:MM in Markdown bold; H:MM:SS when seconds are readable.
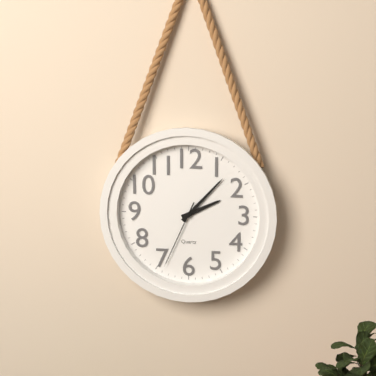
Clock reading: **2:07:34**
